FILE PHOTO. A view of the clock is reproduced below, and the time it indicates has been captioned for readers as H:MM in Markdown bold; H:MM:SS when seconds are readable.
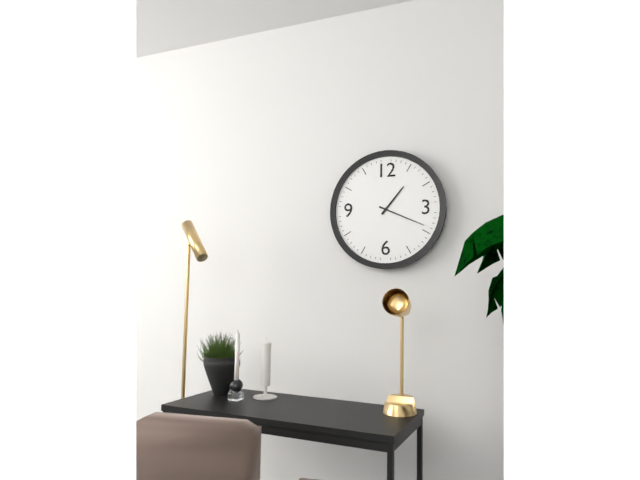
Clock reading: **1:19**
